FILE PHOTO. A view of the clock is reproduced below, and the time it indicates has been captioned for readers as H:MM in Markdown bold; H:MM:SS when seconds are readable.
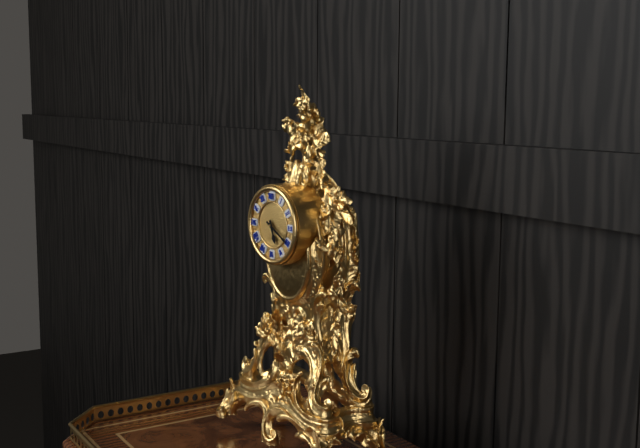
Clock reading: **5:20**
